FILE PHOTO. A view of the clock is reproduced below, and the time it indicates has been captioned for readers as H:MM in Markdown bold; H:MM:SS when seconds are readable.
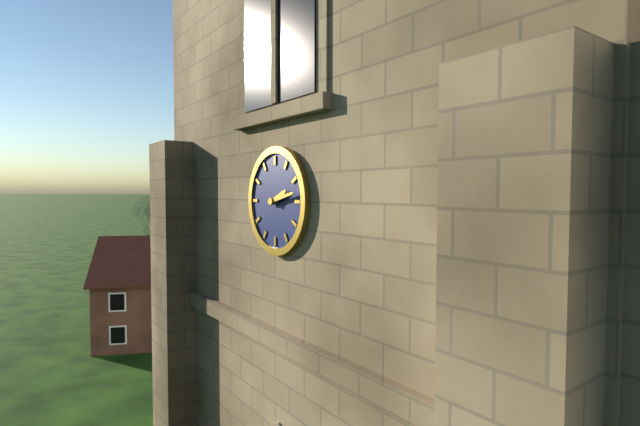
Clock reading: **2:13**
